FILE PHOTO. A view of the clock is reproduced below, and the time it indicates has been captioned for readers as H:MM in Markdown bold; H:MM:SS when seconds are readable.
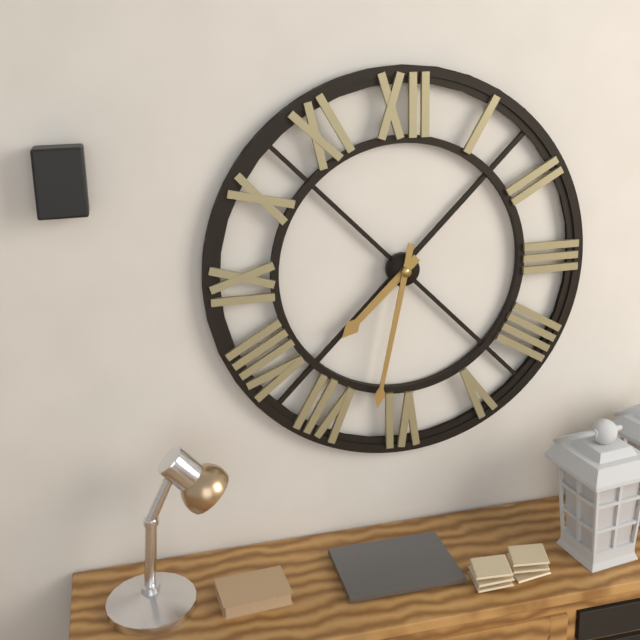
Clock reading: **7:32**
